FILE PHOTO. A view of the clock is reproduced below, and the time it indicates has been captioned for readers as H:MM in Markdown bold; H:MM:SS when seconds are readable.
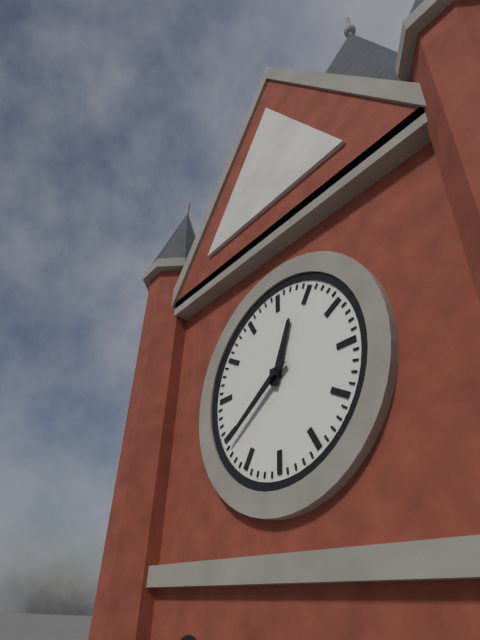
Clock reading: **12:39**
